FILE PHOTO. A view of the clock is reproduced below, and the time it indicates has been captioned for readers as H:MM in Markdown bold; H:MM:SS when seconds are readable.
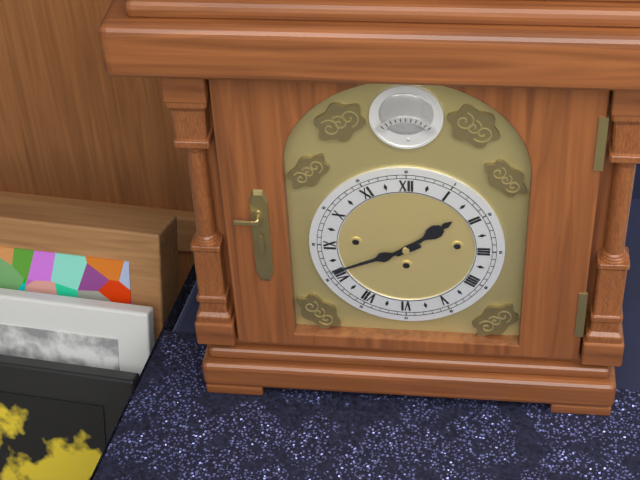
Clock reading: **1:41**
